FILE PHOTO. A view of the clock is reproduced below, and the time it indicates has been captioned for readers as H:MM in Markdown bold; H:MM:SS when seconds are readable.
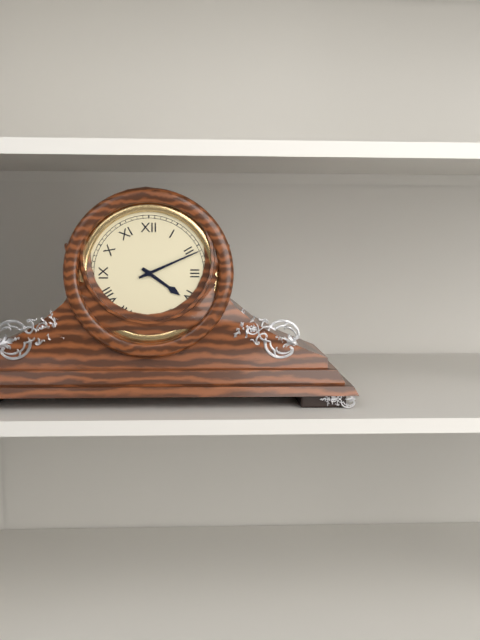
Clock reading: **4:11**
